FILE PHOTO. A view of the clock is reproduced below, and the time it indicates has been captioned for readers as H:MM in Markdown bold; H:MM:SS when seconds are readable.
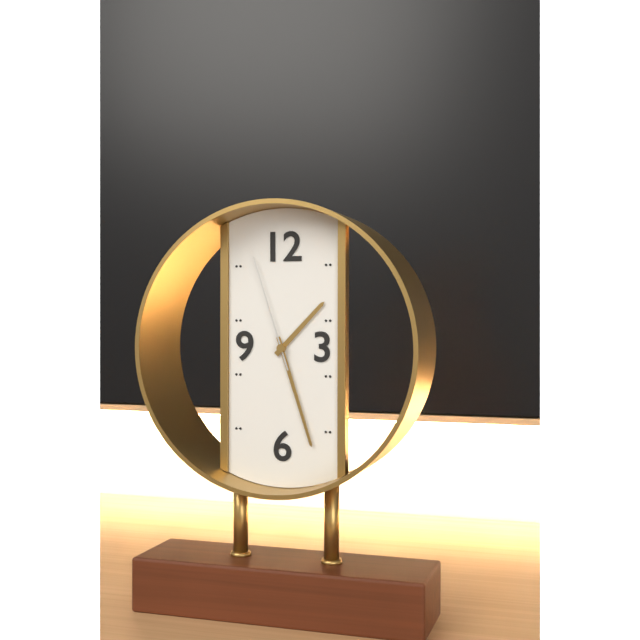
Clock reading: **1:27:57**
